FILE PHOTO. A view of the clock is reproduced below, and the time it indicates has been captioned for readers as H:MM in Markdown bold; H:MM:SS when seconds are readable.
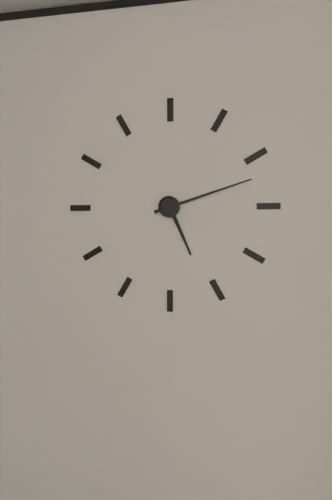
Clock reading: **5:12**
